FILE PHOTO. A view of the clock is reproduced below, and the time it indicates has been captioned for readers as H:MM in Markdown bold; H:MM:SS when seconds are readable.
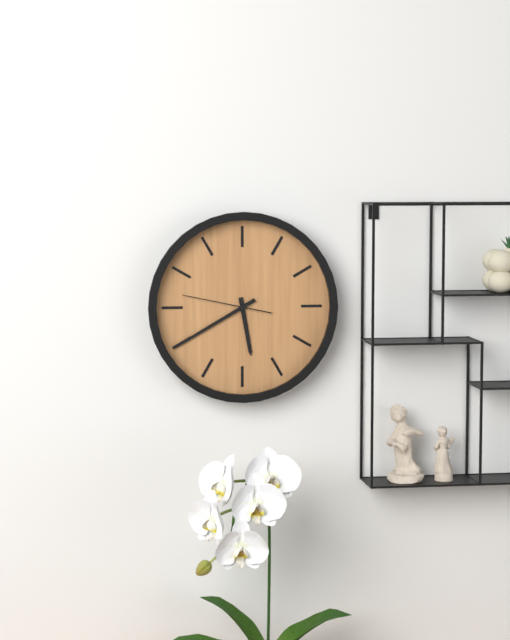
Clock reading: **5:40:47**
